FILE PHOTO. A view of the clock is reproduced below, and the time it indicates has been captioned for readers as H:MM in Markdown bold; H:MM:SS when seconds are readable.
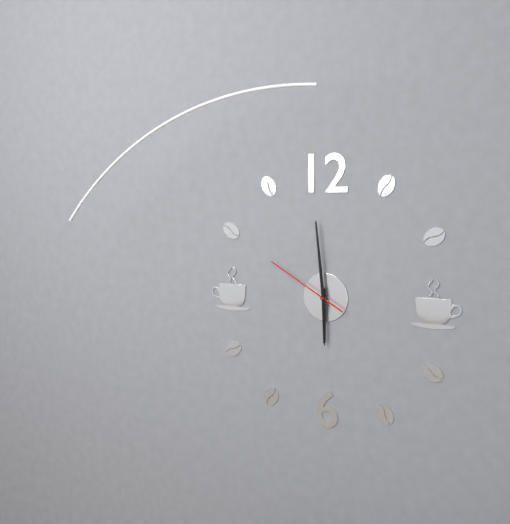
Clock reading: **5:59:50**
